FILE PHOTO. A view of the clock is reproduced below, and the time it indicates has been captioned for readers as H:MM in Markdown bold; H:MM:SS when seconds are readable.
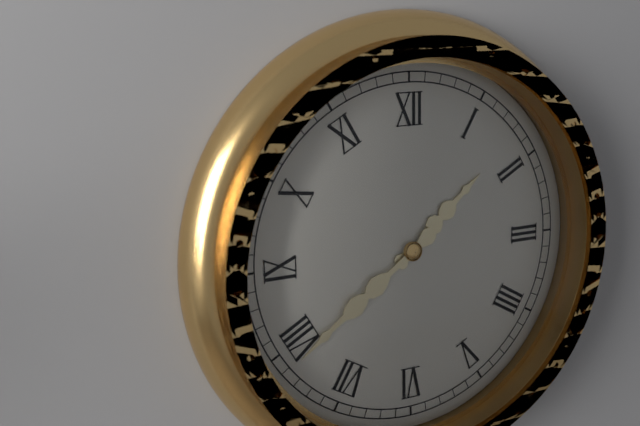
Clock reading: **1:39**
